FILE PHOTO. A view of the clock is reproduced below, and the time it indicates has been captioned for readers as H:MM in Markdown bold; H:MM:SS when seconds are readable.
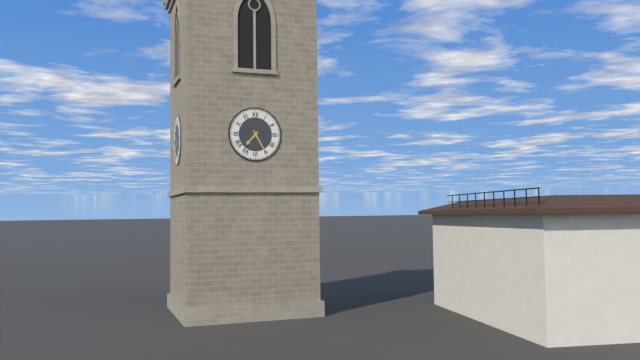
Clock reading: **7:25**
